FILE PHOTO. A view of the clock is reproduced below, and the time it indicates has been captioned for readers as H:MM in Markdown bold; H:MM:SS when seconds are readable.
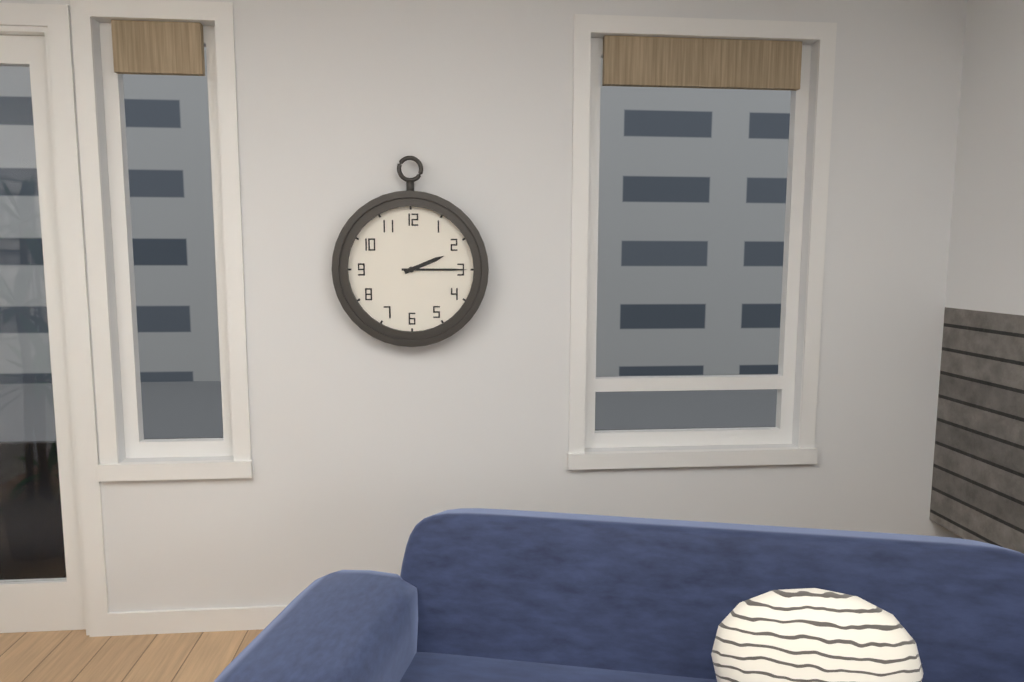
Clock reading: **2:15**
